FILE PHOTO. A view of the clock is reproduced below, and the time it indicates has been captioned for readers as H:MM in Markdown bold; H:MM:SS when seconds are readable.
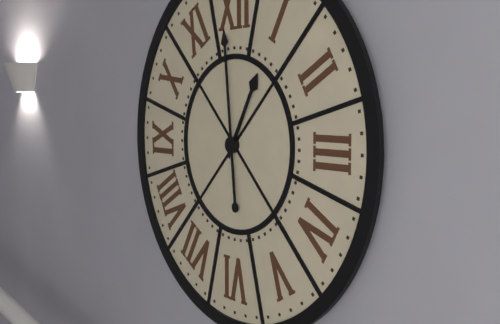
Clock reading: **12:59**
